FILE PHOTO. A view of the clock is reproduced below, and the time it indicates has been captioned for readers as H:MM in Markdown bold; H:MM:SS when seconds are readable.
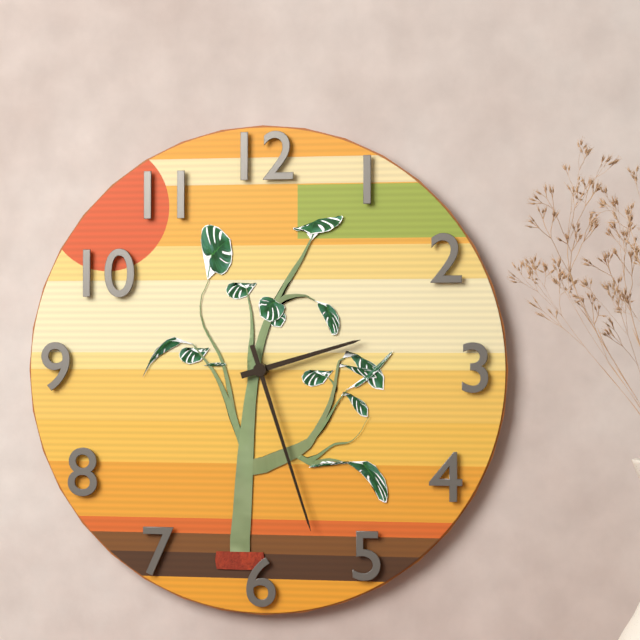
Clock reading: **2:27**
